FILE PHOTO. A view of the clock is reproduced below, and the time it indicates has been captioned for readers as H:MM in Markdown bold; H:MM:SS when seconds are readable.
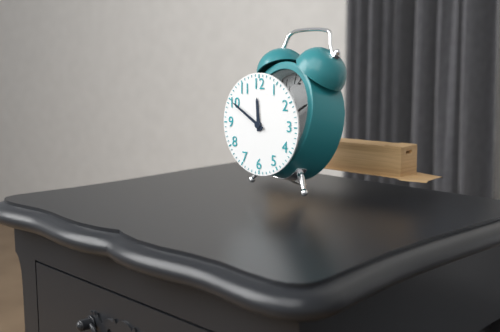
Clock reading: **11:50**
